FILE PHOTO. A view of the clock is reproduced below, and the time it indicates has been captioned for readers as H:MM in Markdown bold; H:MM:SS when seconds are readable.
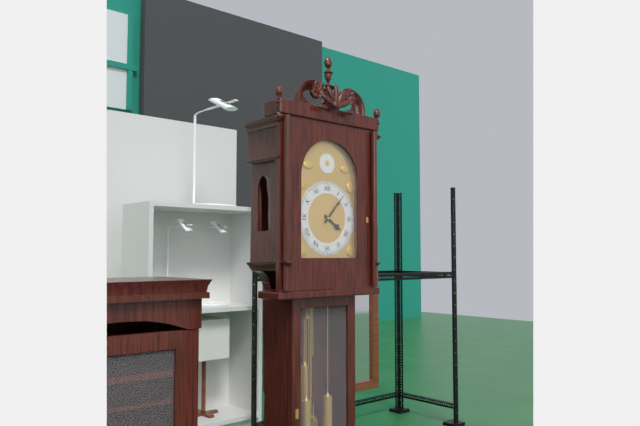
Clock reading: **4:07**
